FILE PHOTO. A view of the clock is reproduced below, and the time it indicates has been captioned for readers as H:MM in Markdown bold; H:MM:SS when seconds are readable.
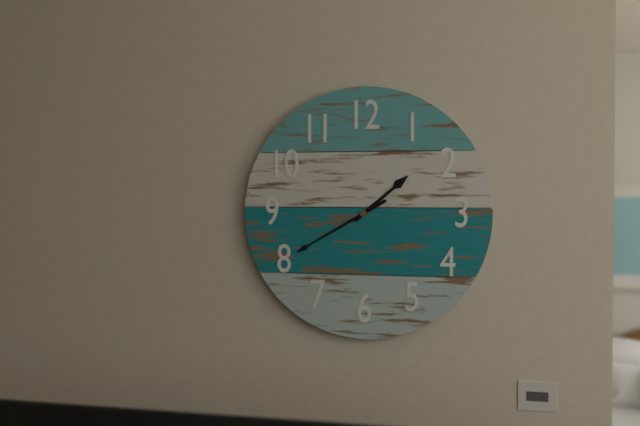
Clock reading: **1:40**
